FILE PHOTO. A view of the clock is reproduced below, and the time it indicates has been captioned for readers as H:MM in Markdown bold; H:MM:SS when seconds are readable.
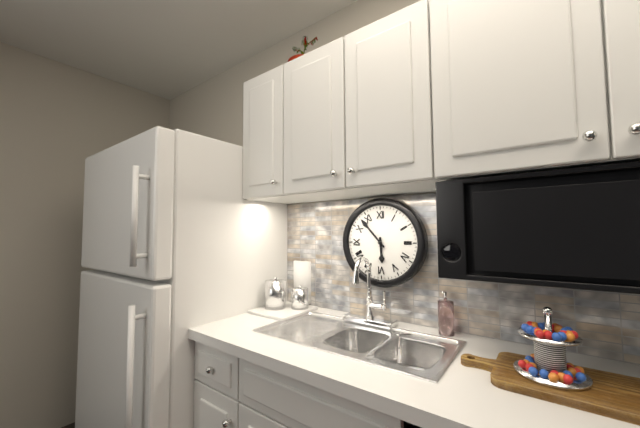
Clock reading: **5:53**
